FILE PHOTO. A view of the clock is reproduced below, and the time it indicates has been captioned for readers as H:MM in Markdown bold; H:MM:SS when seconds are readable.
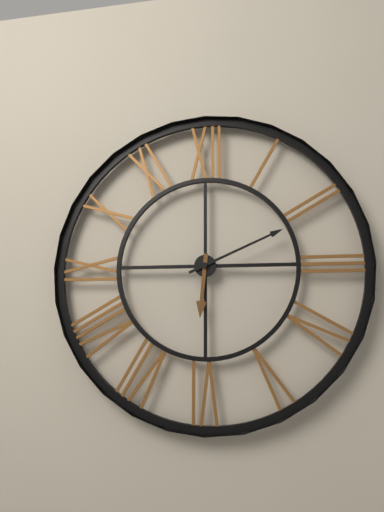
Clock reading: **6:11**
